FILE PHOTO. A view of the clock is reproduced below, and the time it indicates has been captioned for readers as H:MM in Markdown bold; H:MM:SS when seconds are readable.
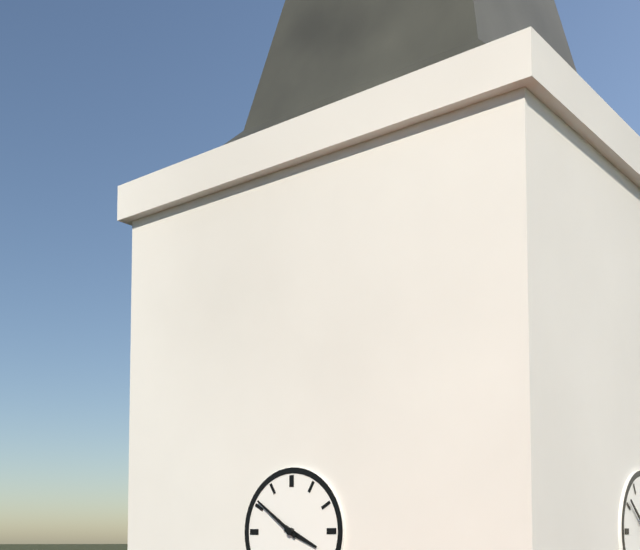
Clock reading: **3:51**
